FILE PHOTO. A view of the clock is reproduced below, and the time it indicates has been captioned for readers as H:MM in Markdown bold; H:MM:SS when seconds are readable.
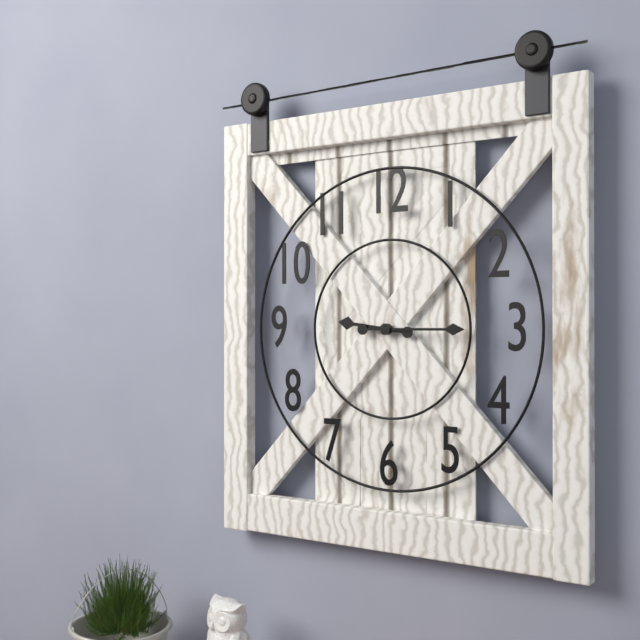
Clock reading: **9:15**
